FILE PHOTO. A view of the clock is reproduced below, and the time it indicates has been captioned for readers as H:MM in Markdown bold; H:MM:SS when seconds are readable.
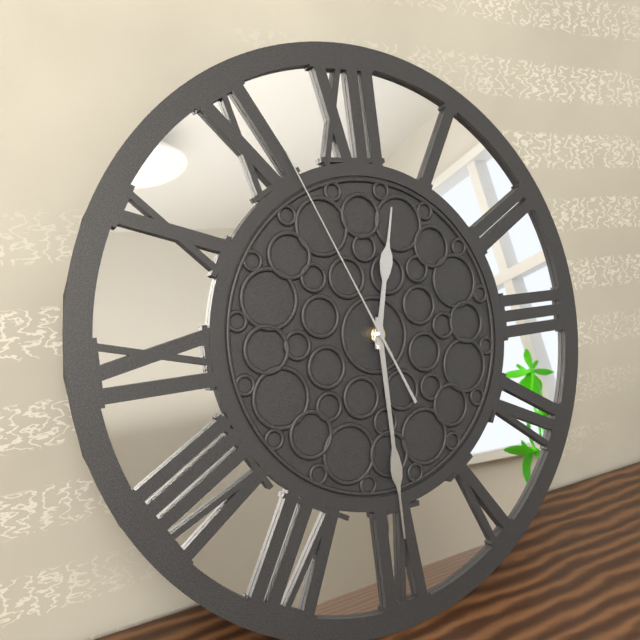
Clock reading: **12:30:56**
